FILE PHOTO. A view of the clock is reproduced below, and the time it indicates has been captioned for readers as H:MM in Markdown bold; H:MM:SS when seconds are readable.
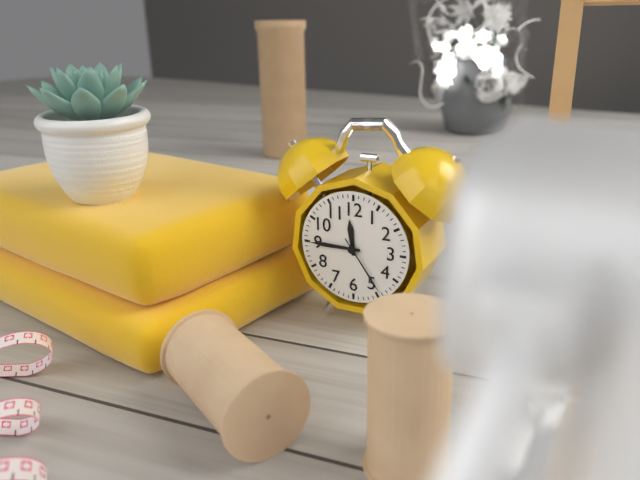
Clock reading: **11:45:24**
